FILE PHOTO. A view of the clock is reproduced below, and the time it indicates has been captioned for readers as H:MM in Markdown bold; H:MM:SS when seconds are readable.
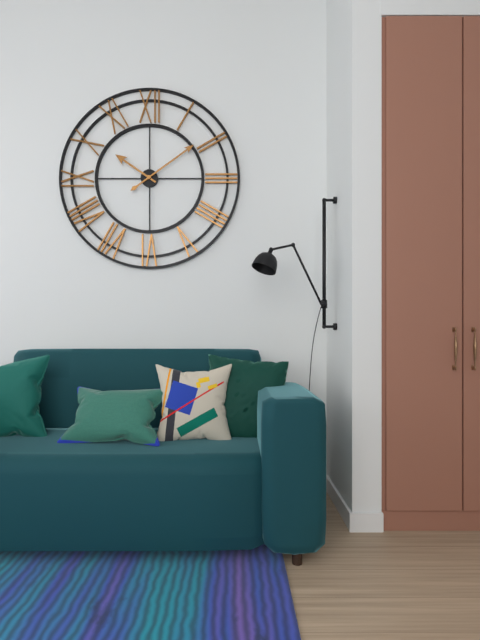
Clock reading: **10:09**
